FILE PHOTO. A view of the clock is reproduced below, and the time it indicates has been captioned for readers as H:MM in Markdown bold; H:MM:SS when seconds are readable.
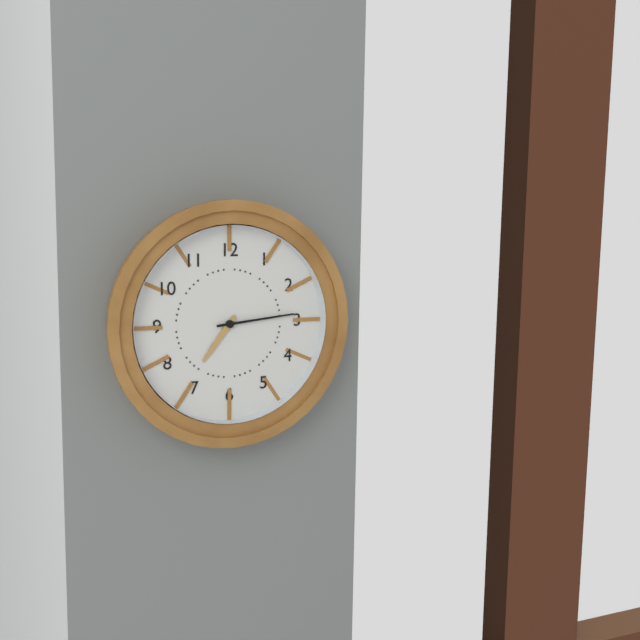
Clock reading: **7:14**
